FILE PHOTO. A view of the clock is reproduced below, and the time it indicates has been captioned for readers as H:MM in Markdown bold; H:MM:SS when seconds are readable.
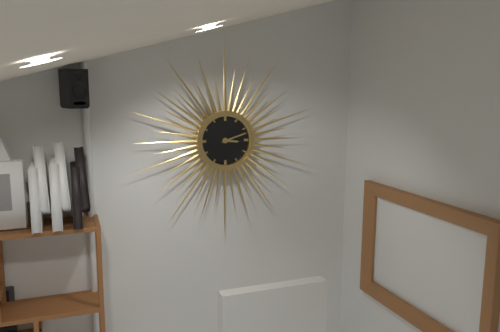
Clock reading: **3:12**
